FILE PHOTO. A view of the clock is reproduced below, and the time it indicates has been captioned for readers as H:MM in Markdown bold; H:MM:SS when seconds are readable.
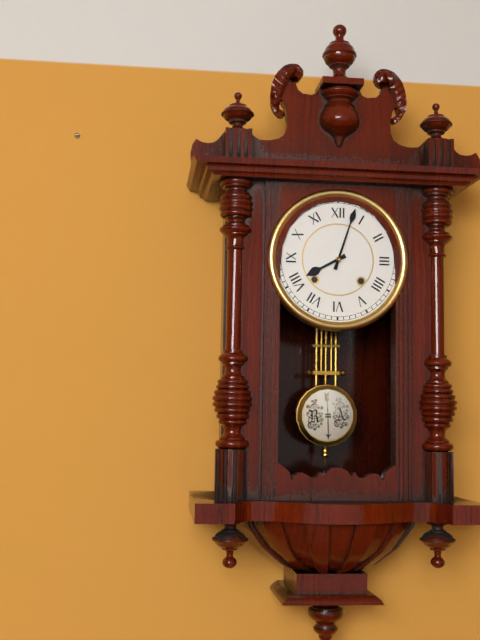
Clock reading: **8:03**
